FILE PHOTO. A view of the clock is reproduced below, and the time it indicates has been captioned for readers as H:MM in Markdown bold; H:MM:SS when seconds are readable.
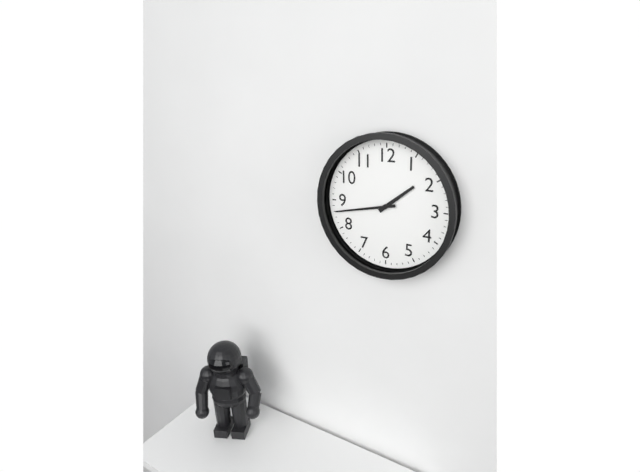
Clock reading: **1:43**
